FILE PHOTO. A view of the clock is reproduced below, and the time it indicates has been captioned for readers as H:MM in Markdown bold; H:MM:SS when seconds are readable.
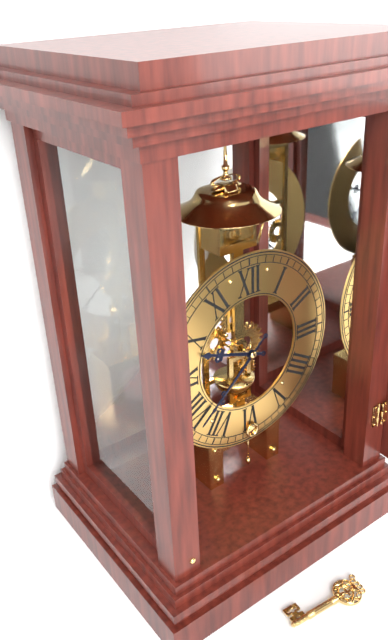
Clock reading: **9:38**
